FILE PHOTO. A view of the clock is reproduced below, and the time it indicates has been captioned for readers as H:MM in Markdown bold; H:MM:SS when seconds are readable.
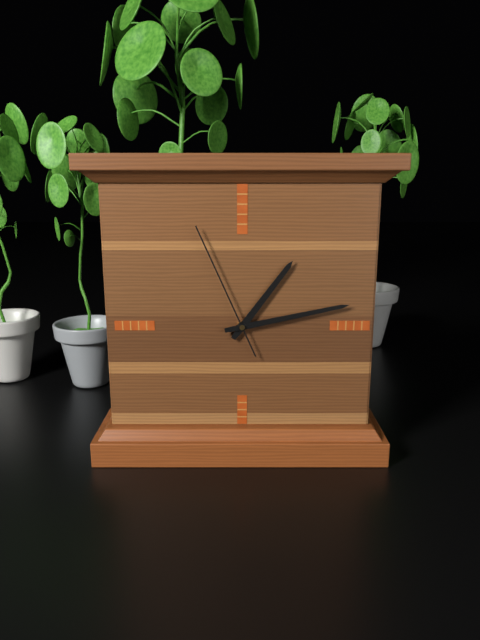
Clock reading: **1:13:56**
